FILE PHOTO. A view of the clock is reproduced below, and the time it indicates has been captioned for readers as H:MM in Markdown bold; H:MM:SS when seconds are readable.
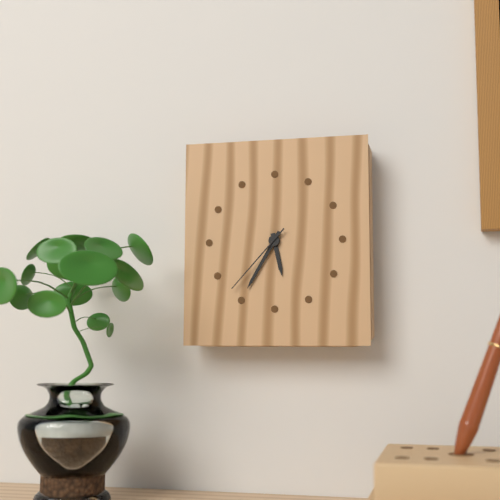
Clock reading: **5:35:37**
